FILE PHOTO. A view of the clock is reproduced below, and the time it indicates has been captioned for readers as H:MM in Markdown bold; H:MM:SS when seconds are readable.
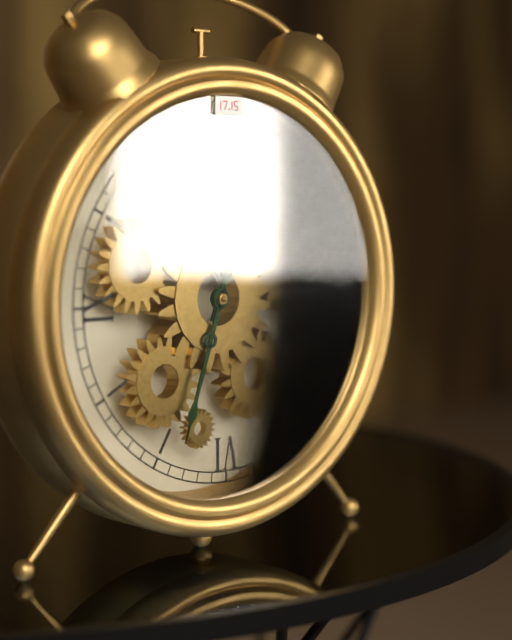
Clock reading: **12:33**
